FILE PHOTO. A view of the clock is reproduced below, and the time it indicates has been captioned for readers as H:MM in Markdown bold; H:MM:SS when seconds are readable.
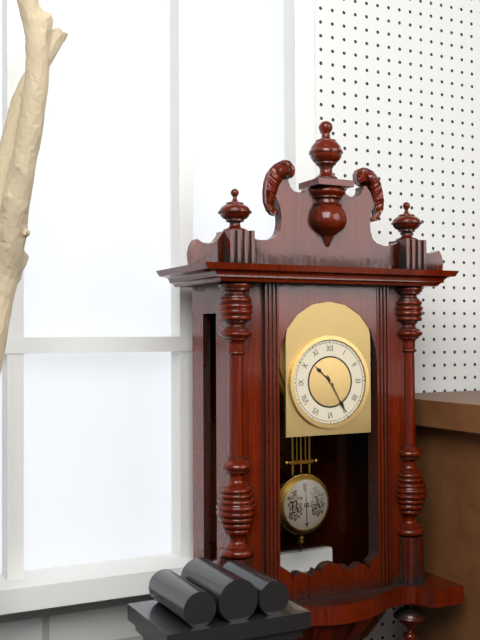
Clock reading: **10:25**
